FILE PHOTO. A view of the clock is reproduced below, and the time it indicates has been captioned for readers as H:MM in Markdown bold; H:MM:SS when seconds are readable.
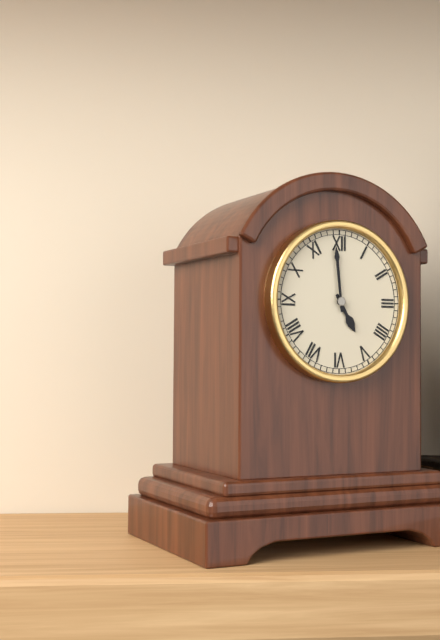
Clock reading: **4:59**
